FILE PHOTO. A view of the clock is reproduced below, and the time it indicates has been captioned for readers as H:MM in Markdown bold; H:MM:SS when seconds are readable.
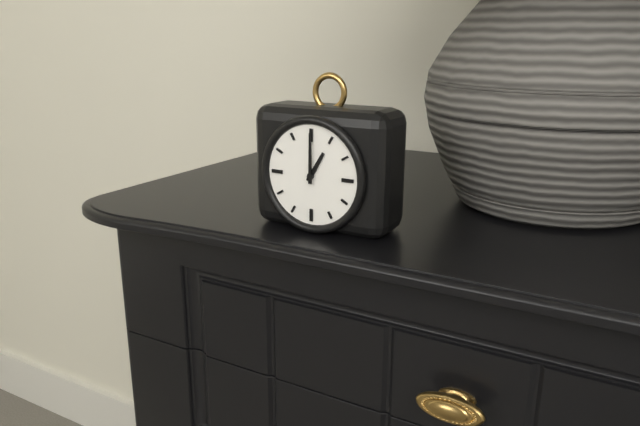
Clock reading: **1:00**
